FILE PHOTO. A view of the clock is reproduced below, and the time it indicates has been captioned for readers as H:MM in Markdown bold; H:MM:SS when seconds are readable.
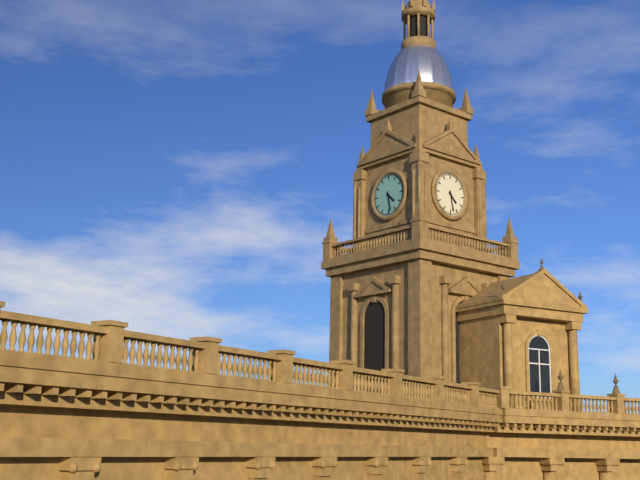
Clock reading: **4:28**
